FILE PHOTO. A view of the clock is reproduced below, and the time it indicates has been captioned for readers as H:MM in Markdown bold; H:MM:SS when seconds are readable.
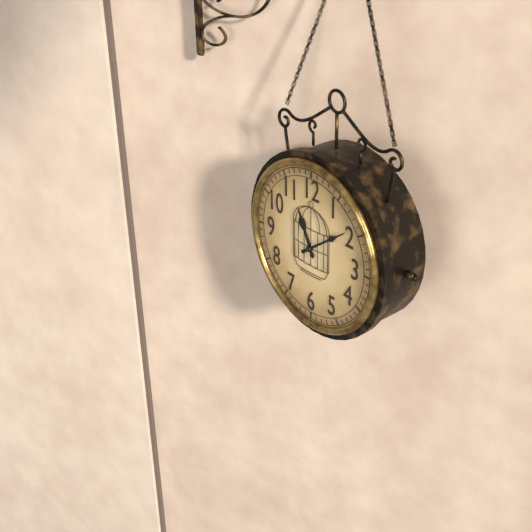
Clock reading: **11:09**
